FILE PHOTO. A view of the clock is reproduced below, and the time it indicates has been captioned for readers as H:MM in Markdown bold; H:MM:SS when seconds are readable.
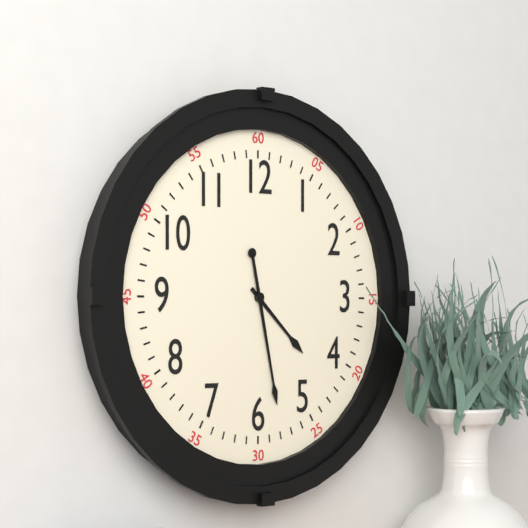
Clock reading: **4:28**
